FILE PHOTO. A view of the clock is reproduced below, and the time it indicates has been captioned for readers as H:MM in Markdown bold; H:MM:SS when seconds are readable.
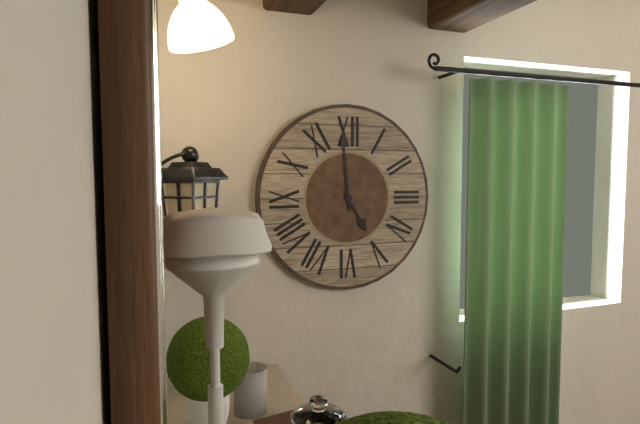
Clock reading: **4:59**
